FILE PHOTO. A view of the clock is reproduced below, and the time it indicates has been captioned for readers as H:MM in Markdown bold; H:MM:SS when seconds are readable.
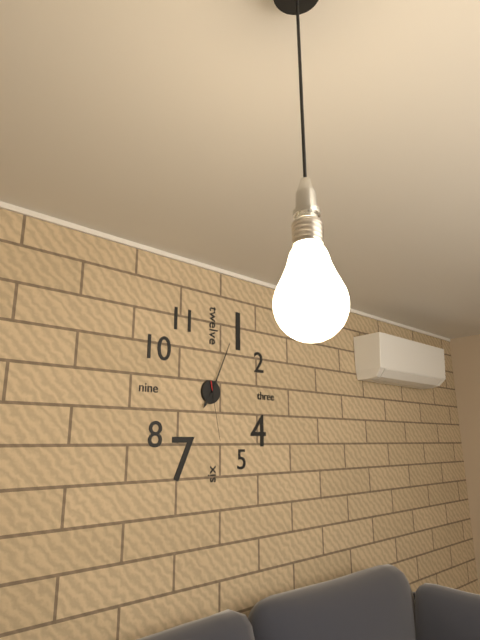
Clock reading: **7:04:28**
